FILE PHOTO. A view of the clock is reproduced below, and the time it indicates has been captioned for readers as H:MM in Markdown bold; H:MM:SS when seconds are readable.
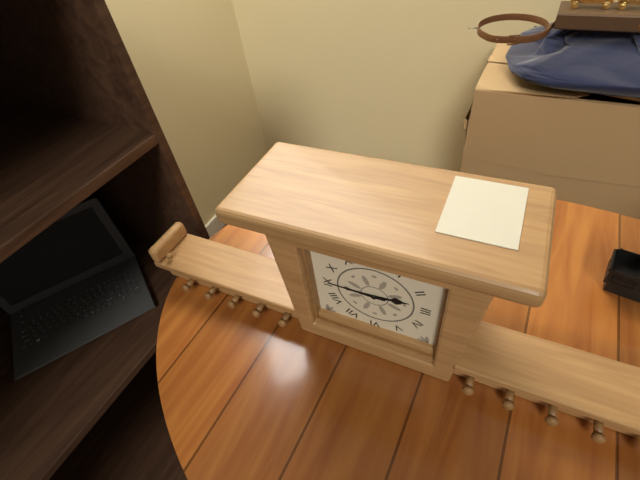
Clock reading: **2:45**
